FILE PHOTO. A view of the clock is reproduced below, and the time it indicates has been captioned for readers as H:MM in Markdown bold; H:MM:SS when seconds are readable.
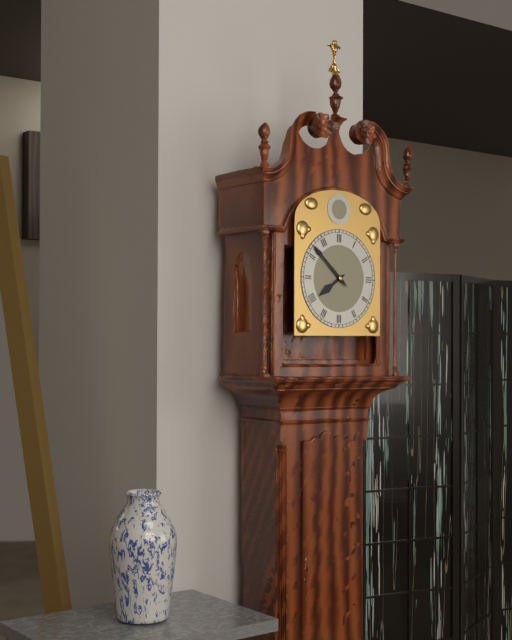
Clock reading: **7:52**
